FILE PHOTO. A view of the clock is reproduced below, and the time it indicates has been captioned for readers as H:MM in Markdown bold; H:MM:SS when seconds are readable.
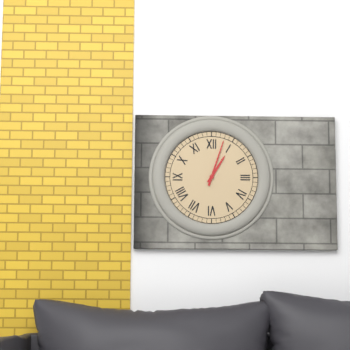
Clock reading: **1:03**
